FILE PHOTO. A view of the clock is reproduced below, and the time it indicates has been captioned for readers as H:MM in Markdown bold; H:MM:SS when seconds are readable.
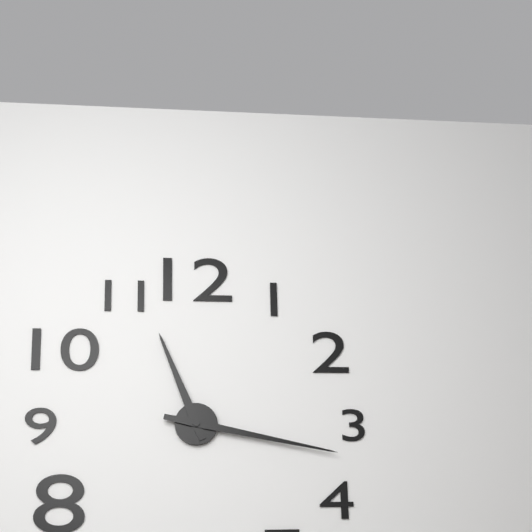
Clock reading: **11:17**
